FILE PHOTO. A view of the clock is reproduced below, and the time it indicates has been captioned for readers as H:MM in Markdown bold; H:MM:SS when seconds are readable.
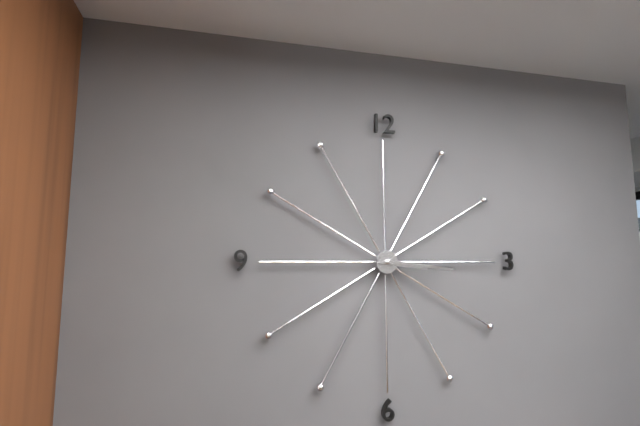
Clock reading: **3:16**
